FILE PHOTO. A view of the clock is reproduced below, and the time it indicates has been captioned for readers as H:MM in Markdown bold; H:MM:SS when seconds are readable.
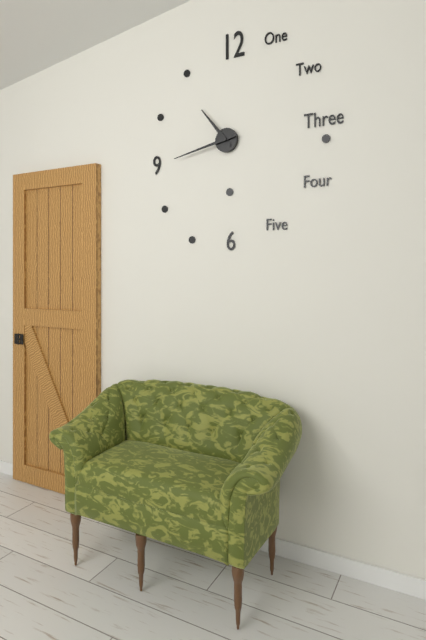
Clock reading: **10:43**
